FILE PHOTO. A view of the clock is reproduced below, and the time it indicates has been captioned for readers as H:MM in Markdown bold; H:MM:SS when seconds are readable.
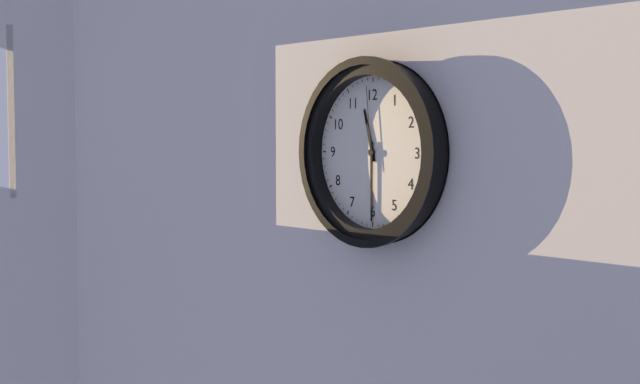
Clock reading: **11:30:59**
